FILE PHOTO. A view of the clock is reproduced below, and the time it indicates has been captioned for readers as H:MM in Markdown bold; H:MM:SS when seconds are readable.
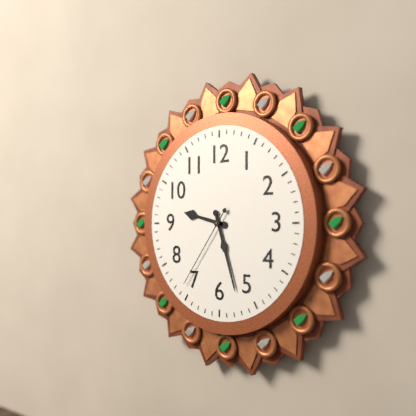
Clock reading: **9:27:36**
